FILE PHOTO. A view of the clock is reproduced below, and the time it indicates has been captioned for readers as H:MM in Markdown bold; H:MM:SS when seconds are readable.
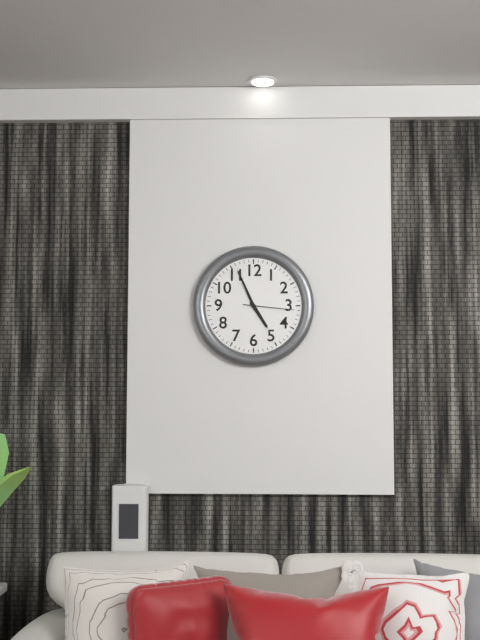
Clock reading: **4:56:16**
